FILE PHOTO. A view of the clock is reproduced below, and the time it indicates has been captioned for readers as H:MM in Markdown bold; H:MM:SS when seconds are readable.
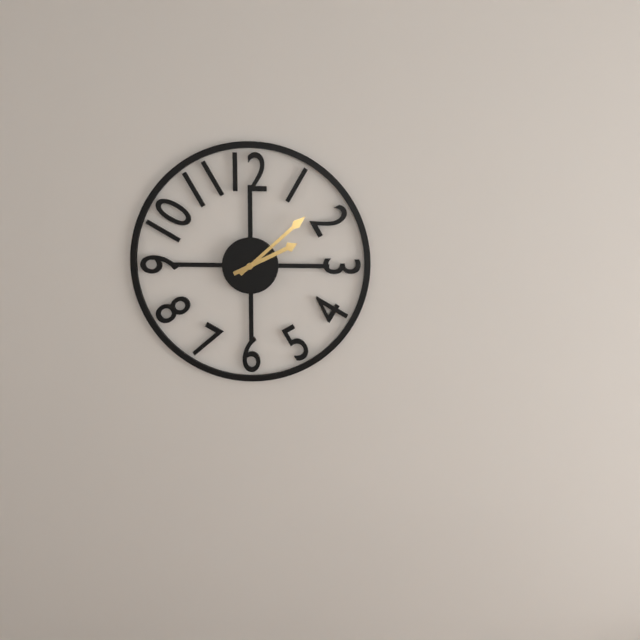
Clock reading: **2:08**
